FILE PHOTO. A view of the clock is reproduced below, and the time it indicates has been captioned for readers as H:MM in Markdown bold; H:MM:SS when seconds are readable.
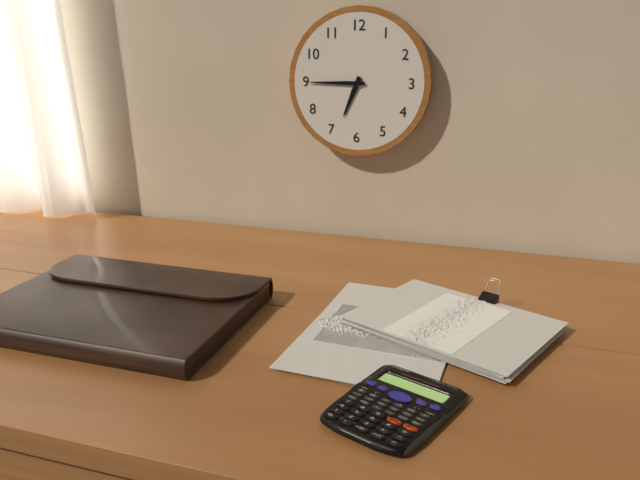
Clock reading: **6:45**
